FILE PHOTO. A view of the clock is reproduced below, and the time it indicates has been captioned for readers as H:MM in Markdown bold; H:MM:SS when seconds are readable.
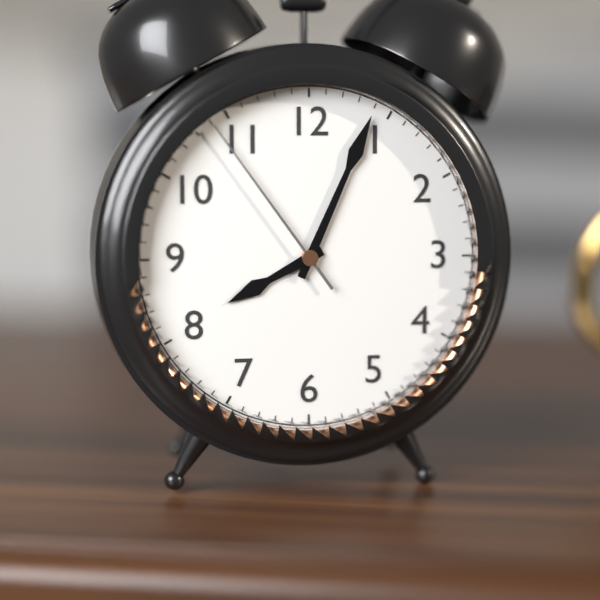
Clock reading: **8:04:54**
